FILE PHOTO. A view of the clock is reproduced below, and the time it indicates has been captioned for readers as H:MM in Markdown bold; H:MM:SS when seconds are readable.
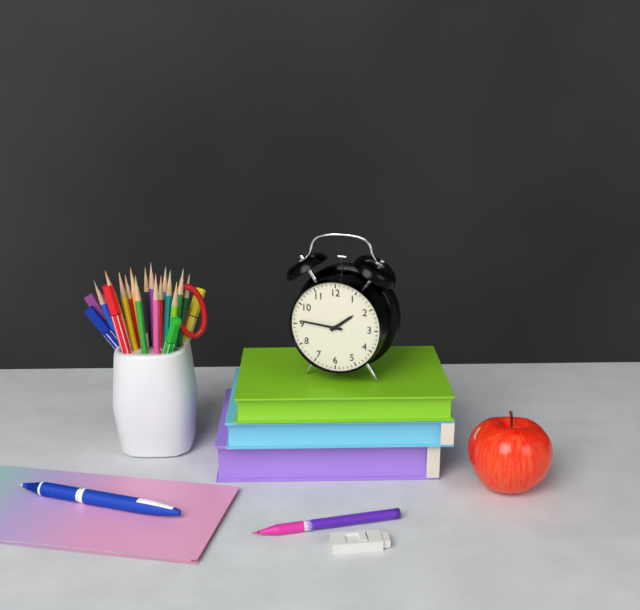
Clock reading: **1:46**
